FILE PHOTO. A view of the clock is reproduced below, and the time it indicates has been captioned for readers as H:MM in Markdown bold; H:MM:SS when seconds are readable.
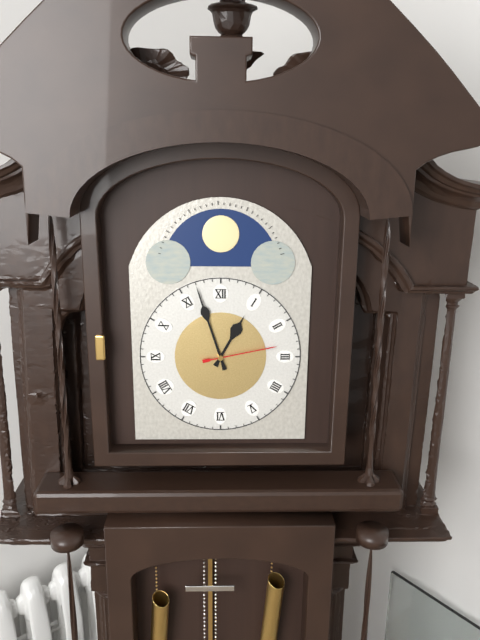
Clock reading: **12:57:13**
